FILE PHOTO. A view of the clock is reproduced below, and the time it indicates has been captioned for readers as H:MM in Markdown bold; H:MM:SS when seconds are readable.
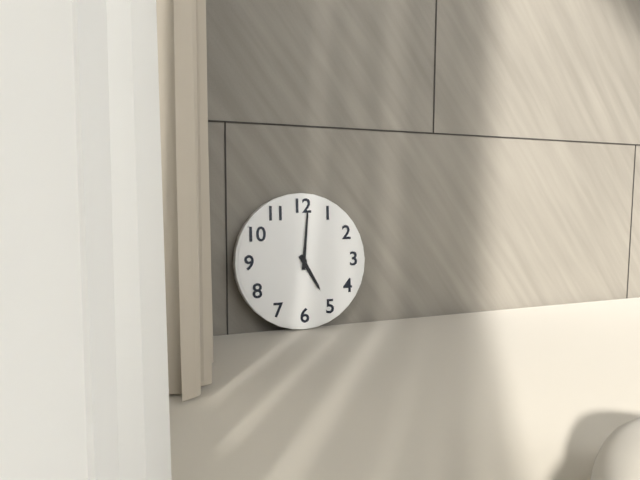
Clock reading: **5:01**
